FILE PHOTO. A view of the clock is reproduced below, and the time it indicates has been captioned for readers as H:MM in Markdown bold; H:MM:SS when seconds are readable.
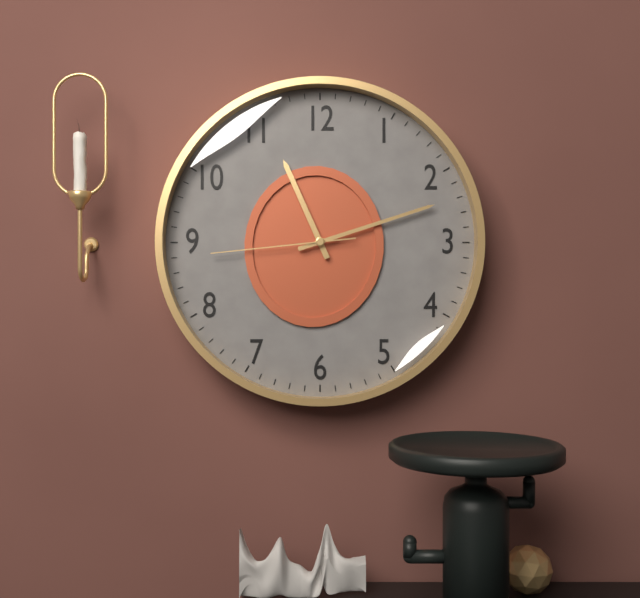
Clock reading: **11:12:44**
